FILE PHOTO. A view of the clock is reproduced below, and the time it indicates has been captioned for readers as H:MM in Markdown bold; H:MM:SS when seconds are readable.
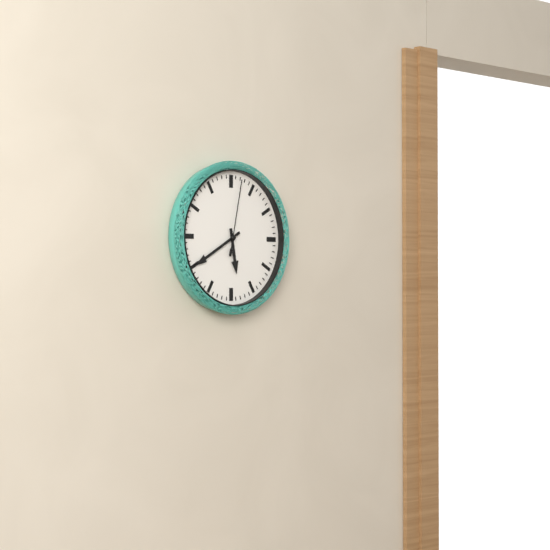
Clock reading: **5:40:02**
